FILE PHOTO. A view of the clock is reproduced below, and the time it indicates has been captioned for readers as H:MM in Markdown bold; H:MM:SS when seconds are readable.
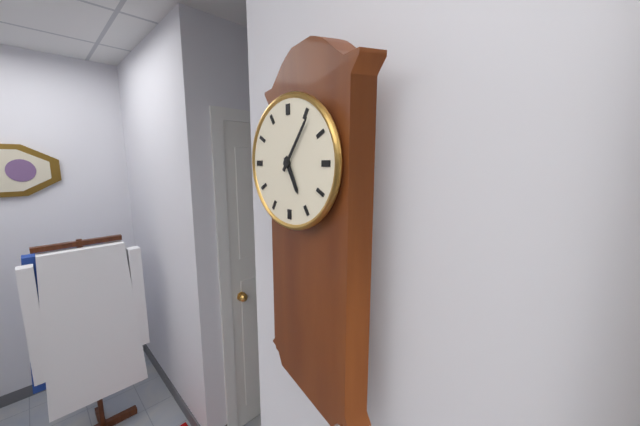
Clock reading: **5:06**
